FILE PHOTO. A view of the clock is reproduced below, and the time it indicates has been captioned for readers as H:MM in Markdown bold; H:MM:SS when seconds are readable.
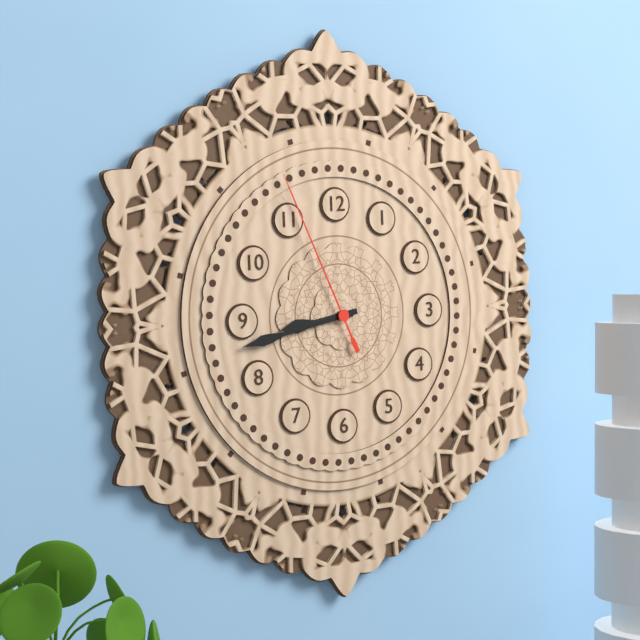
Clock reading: **8:43:56**
